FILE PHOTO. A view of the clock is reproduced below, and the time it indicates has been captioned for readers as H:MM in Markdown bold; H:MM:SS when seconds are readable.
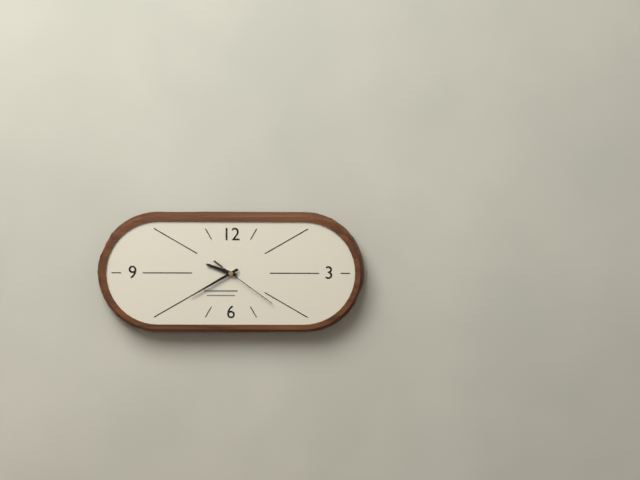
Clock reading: **9:40:21**
